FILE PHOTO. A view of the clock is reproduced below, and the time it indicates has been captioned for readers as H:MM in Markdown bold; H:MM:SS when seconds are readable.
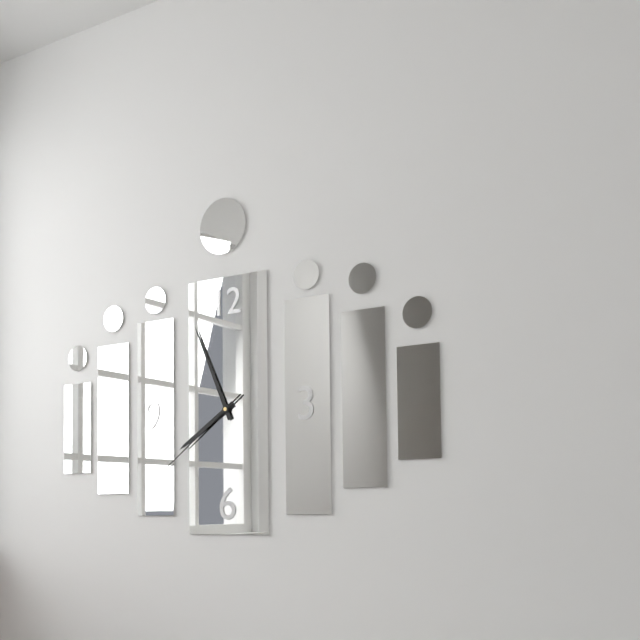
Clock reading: **7:56:39**
